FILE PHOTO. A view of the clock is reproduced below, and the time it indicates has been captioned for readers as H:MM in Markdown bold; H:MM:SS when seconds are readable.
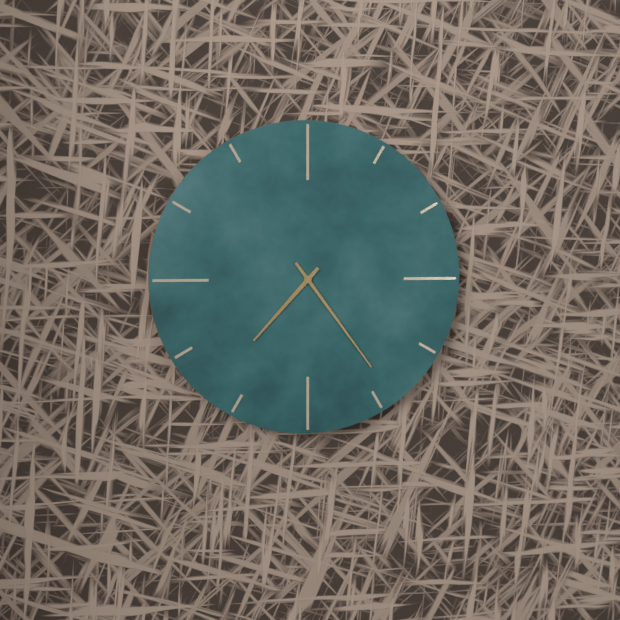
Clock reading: **7:24**
